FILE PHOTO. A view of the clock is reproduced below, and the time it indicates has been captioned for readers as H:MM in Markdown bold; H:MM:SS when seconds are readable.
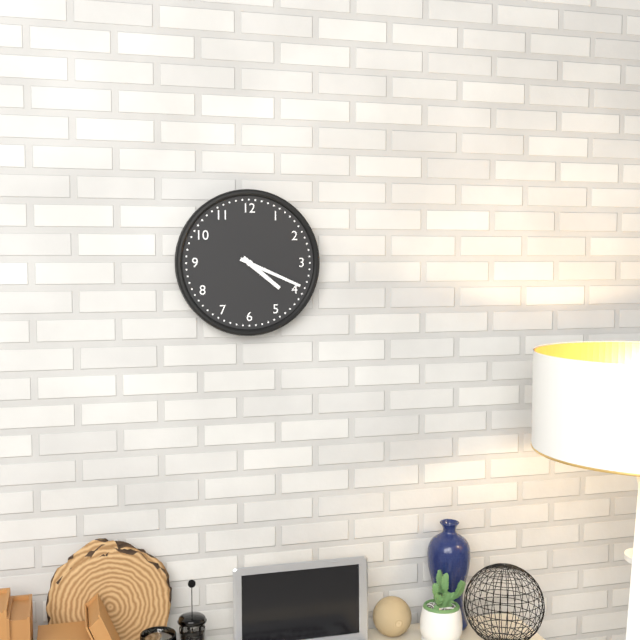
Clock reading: **4:19**
